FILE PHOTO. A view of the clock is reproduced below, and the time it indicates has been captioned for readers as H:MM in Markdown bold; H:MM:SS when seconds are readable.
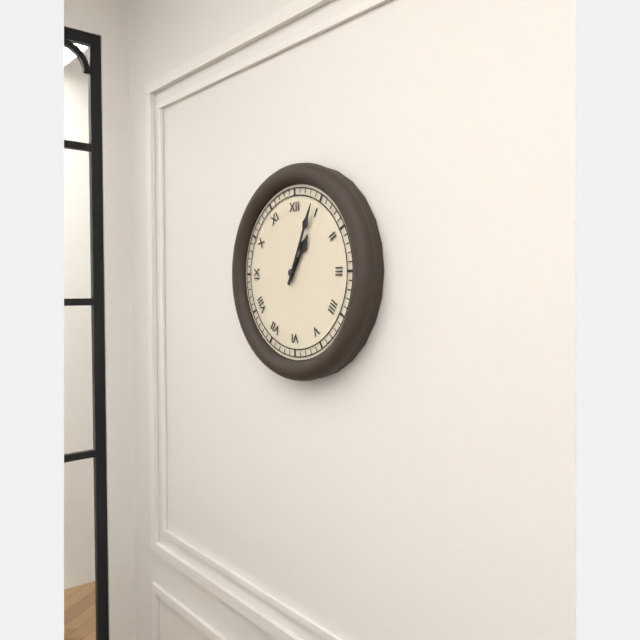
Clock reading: **1:04**
